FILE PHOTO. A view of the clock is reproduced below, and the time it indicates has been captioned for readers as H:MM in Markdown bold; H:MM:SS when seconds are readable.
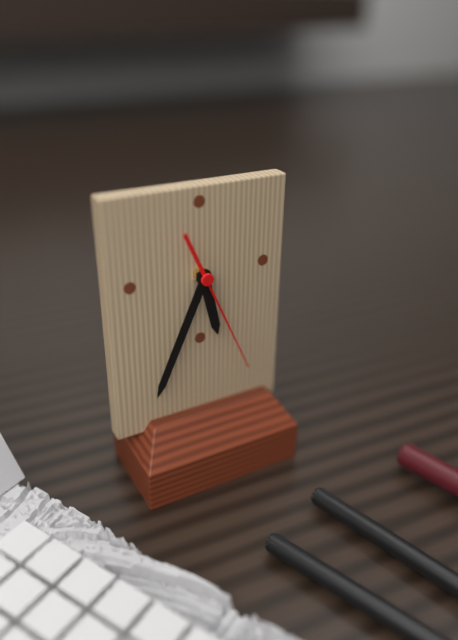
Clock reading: **5:34:26**
